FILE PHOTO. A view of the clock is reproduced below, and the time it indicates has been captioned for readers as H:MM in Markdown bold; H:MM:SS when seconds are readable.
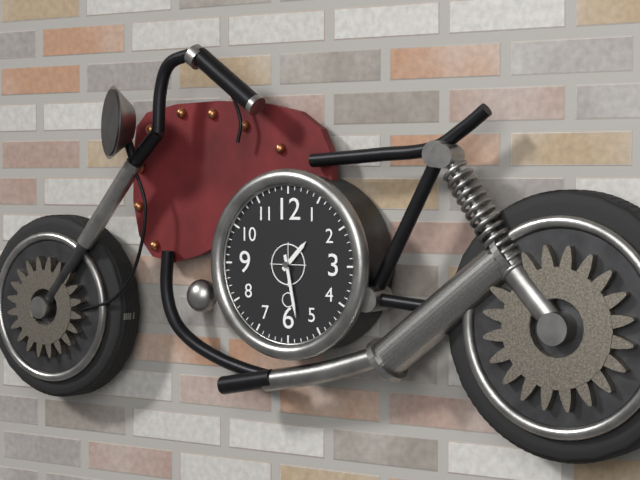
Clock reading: **1:28**
